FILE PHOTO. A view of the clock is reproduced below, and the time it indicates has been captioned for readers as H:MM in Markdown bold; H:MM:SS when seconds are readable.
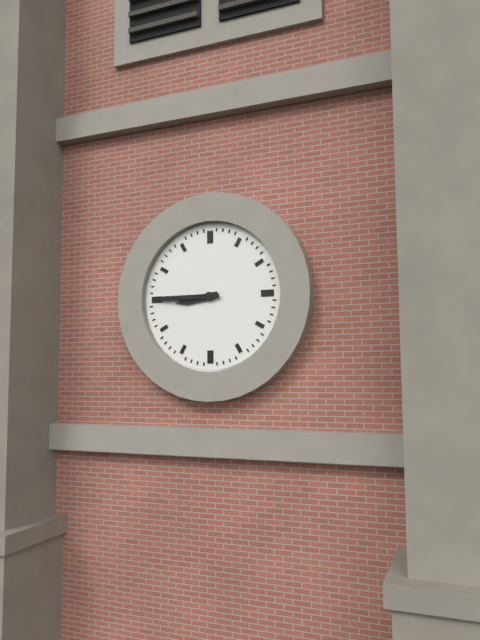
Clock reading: **8:45**
